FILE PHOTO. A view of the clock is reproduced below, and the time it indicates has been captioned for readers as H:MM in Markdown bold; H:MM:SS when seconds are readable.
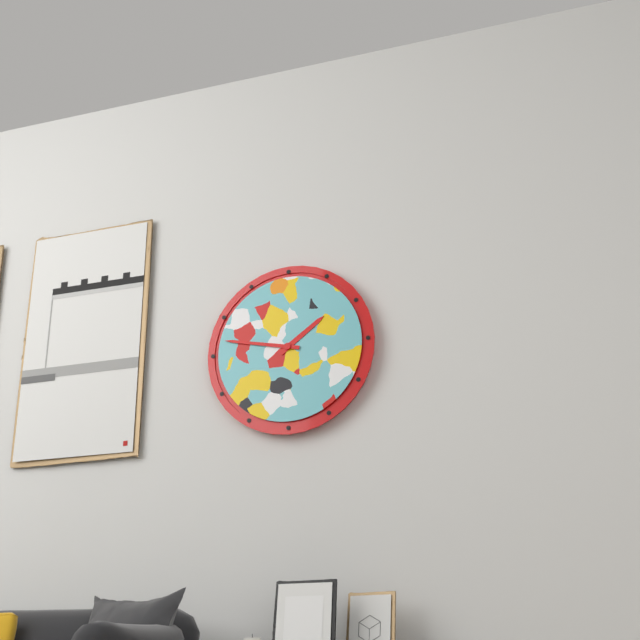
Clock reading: **1:47**
